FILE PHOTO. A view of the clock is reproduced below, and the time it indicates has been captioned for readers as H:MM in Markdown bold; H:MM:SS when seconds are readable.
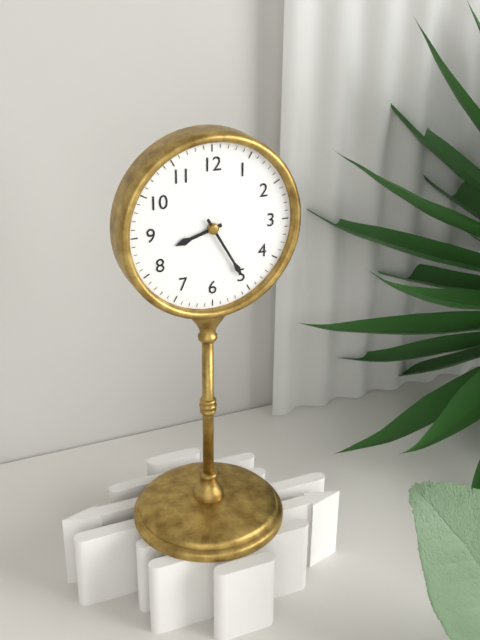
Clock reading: **8:25**
